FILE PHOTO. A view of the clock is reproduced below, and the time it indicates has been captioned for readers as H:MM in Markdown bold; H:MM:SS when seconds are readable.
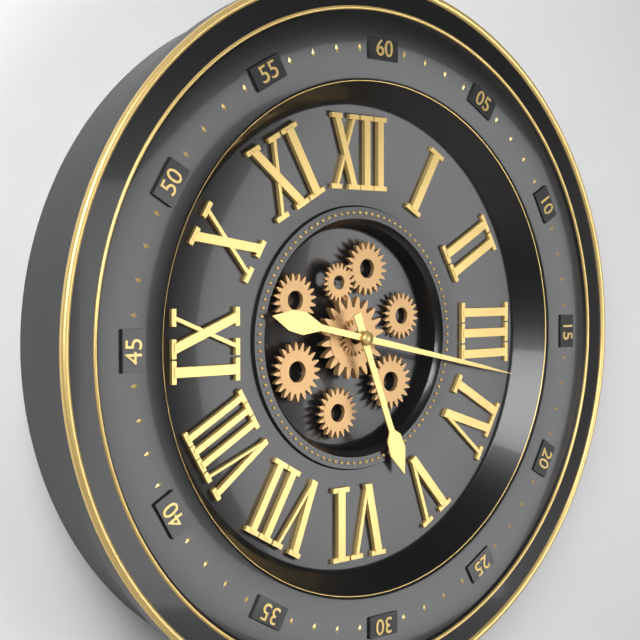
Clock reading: **5:17**
